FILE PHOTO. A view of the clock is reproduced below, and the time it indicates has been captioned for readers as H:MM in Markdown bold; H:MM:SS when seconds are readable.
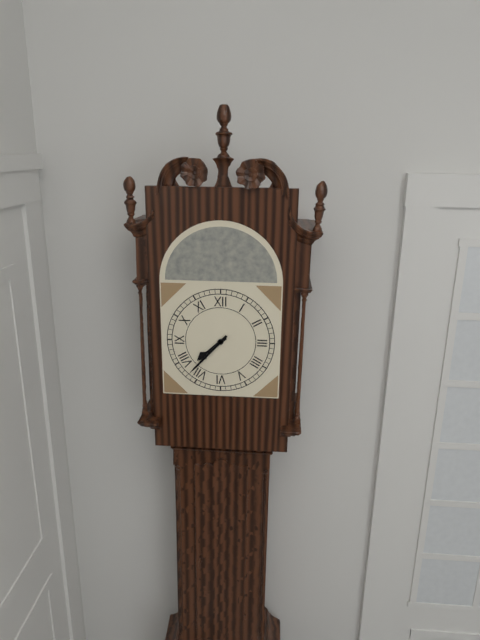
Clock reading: **7:37**
